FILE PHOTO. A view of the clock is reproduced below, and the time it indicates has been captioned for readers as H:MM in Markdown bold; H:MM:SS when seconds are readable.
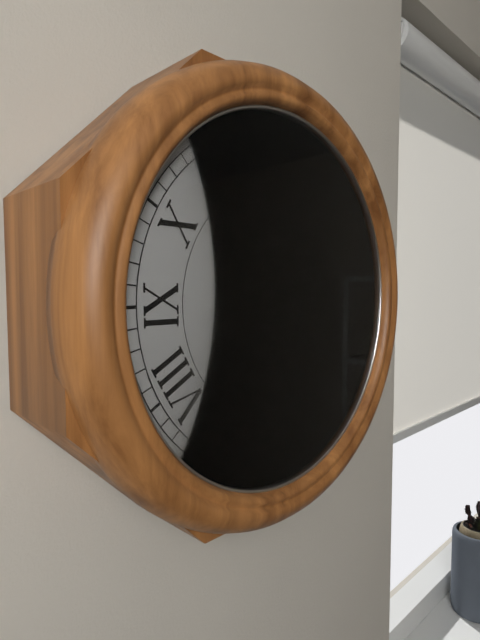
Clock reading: **3:09**
